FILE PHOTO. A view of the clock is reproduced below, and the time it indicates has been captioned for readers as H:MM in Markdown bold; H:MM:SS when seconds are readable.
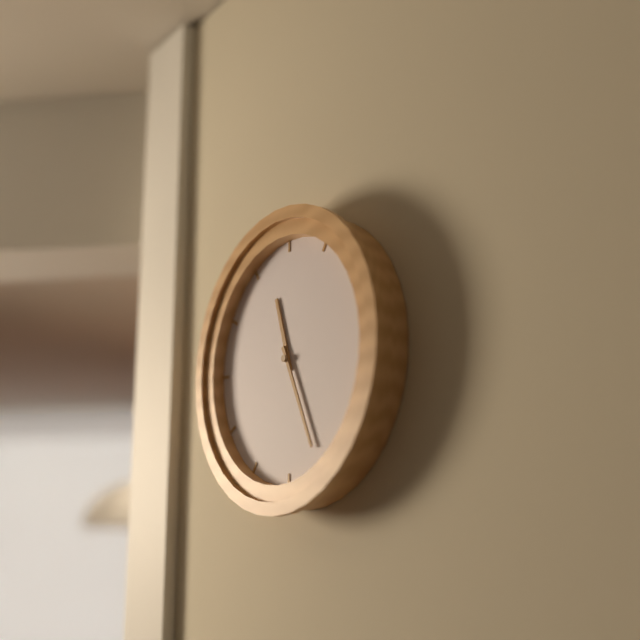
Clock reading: **11:26**
